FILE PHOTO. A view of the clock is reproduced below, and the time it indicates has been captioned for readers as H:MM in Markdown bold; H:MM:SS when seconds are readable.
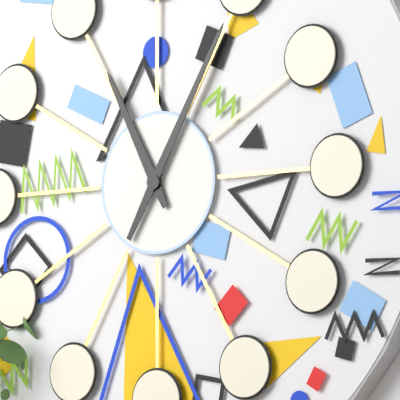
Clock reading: **11:05**
